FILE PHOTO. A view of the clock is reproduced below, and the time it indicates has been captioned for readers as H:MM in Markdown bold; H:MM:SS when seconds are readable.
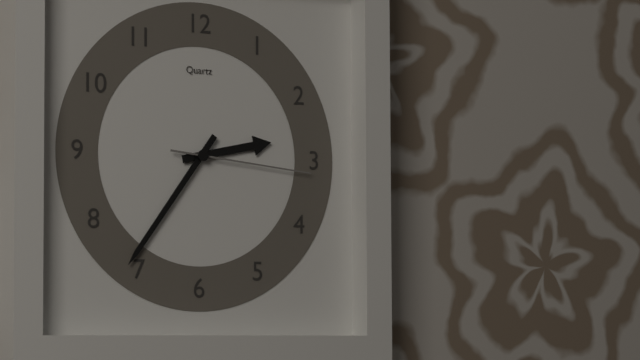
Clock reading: **2:36:16**
